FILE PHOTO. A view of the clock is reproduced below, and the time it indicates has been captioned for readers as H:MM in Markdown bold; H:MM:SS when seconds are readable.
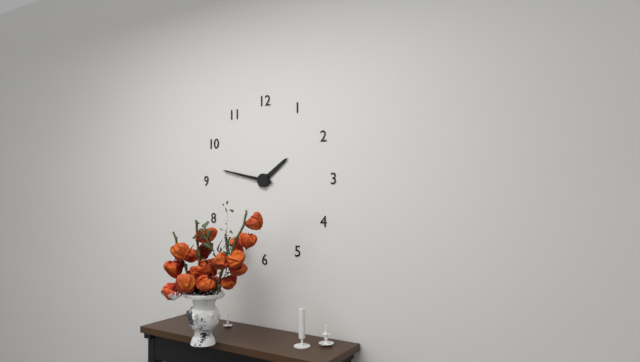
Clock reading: **1:47**
